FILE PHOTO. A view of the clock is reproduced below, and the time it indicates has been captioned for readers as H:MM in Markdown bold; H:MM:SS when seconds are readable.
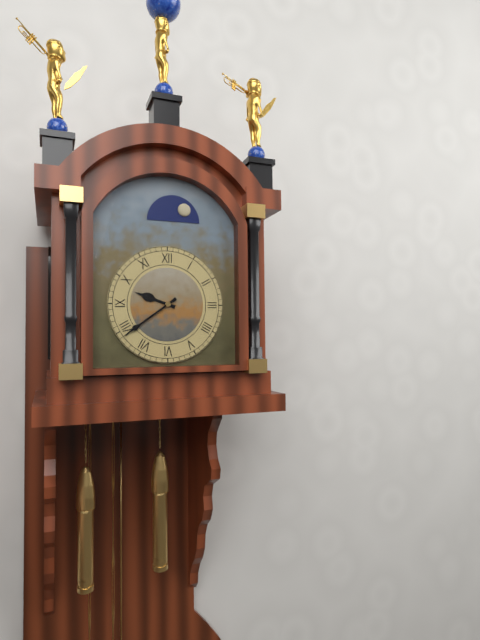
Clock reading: **9:39**
